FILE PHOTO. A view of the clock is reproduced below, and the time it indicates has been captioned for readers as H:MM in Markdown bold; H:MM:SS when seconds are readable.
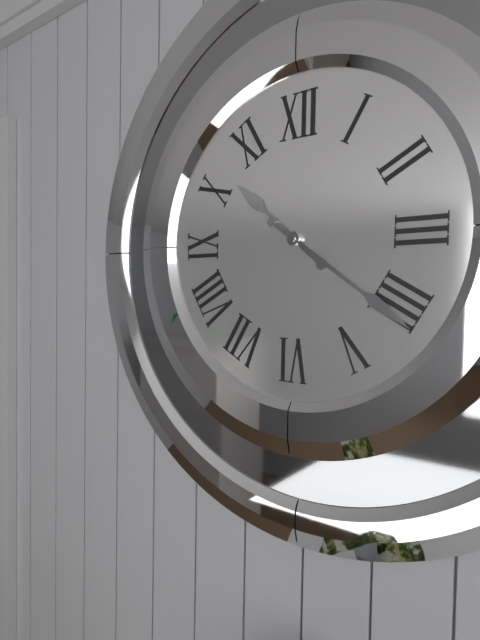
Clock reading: **10:21**
